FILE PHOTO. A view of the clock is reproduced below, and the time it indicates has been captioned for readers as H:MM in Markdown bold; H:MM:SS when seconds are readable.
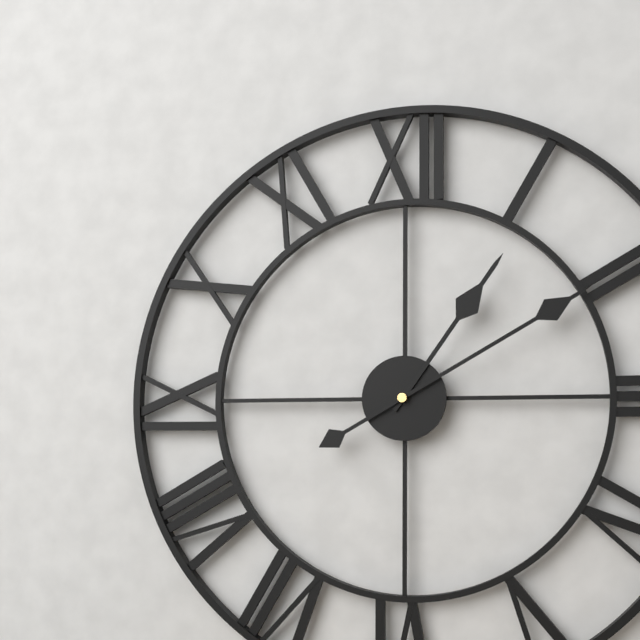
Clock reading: **1:10**
